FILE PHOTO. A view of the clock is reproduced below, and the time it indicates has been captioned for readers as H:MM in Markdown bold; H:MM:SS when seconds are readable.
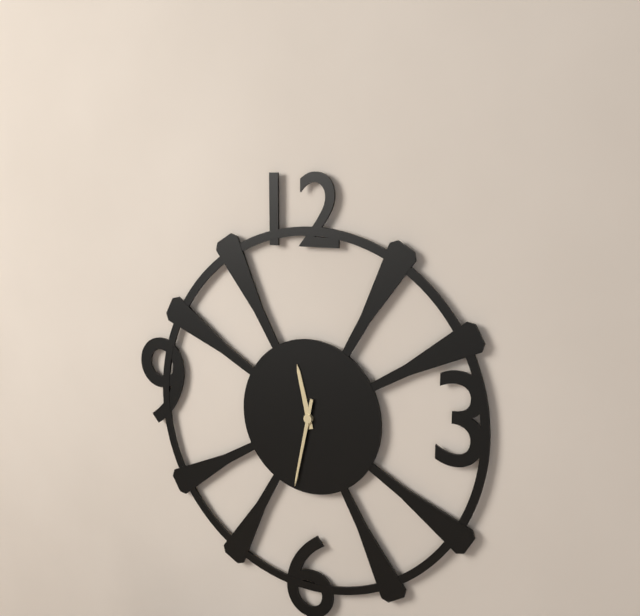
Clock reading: **11:32**
